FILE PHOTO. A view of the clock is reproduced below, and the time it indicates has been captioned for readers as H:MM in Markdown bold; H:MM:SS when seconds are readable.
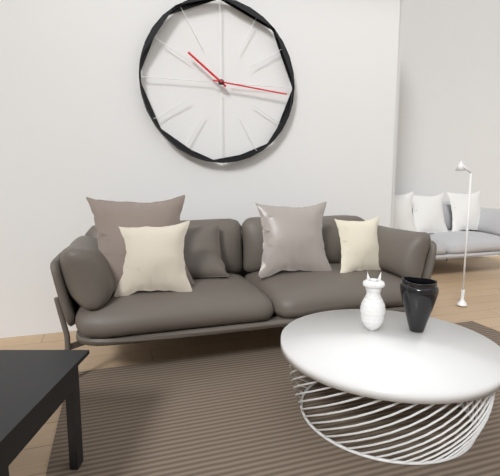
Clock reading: **10:16**
